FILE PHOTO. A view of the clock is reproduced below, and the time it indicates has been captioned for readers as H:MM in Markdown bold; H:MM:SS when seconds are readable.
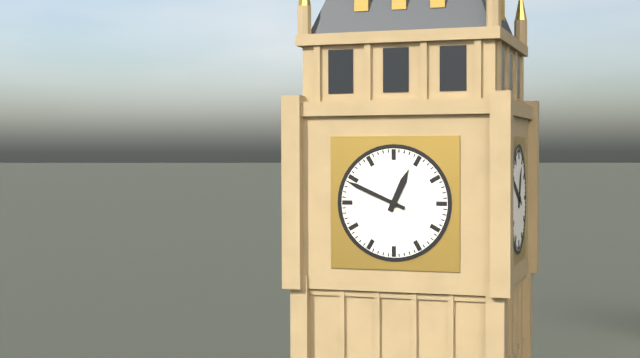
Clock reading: **12:49**
